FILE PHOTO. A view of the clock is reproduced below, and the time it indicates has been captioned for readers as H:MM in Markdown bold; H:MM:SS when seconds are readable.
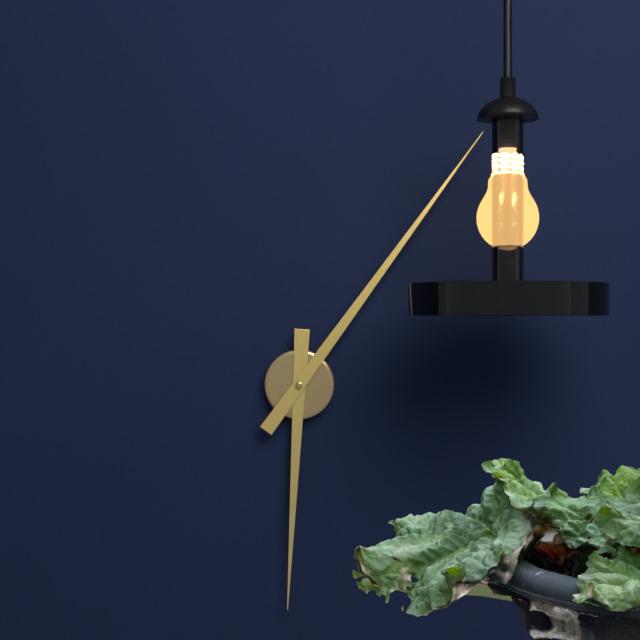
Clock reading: **6:06**
